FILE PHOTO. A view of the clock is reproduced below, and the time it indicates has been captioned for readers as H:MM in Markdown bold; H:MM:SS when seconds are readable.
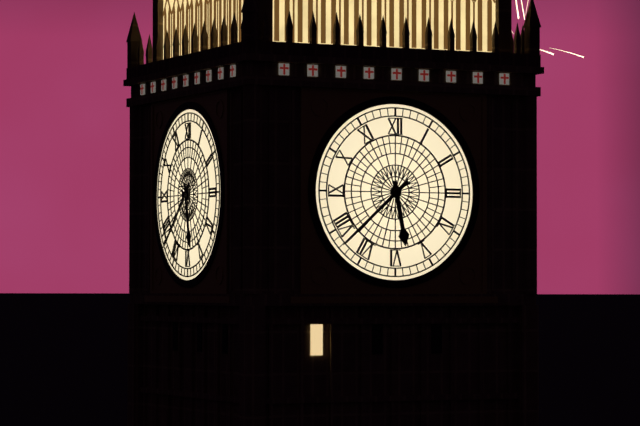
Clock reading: **5:38**
